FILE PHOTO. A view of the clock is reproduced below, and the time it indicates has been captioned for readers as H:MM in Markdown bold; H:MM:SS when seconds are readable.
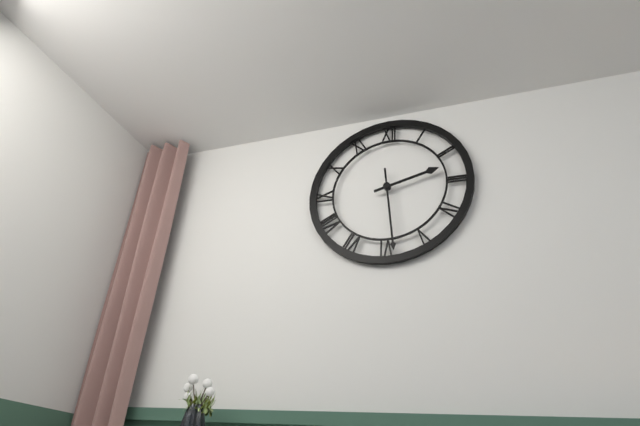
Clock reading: **2:29**
